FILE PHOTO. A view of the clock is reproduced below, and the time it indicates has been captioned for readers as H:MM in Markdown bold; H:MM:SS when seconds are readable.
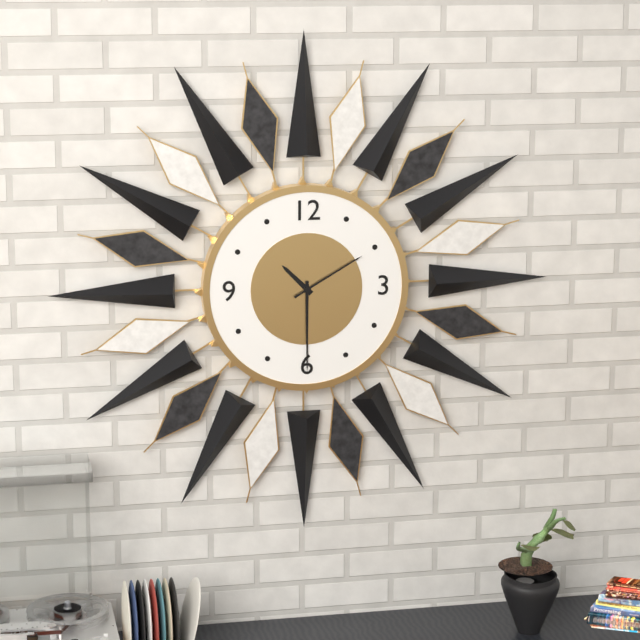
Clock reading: **10:30:10**
